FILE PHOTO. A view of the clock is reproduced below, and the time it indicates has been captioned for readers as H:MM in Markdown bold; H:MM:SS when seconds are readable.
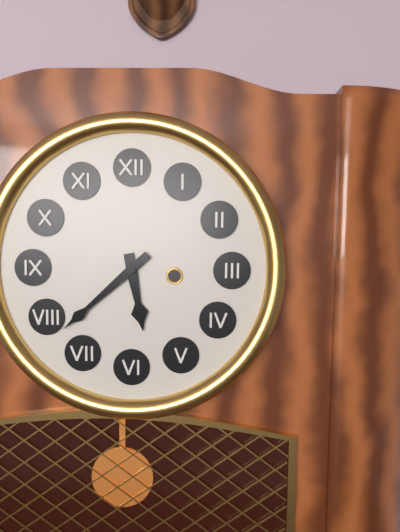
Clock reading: **5:38**
